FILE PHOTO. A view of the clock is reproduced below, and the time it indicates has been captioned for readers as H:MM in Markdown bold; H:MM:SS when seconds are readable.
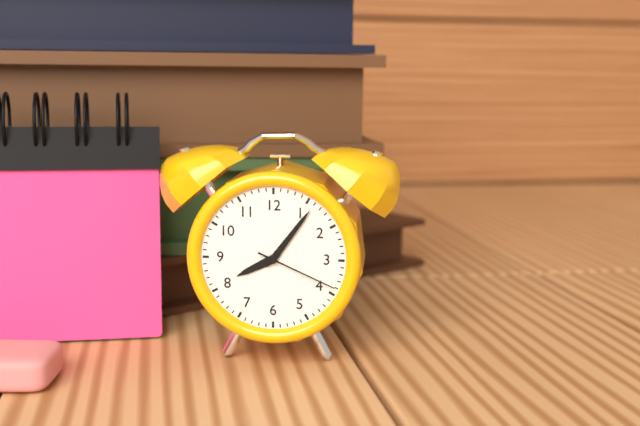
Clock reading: **8:06:19**
